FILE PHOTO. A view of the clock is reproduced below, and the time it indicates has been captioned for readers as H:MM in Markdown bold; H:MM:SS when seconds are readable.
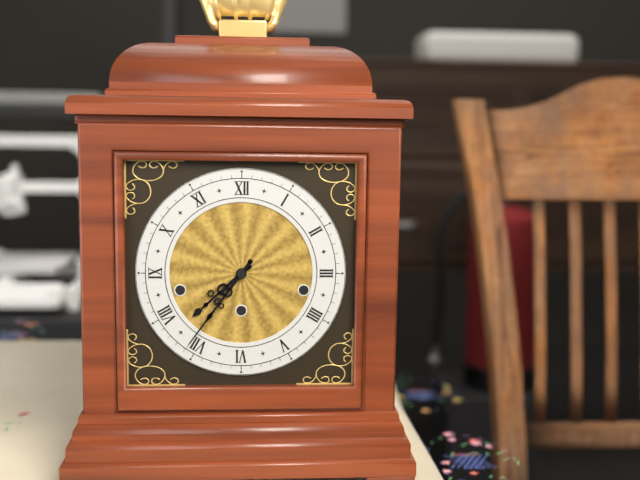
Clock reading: **7:36**
